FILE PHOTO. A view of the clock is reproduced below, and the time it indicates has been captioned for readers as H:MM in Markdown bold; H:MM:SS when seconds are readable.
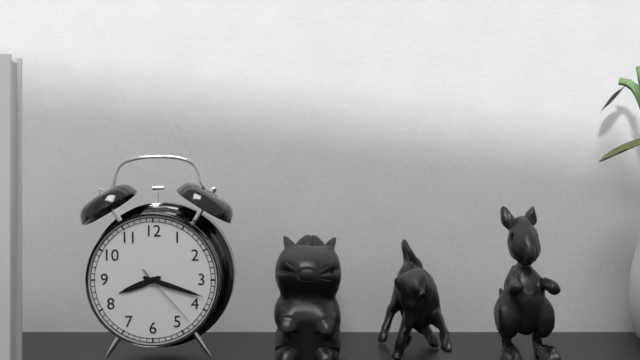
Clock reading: **8:18:23**
